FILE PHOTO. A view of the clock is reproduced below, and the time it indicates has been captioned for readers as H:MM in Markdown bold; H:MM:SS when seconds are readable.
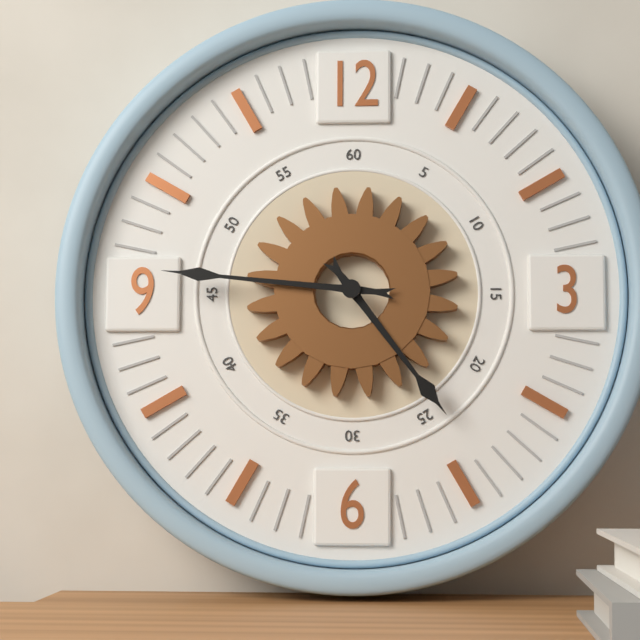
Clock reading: **4:46**
